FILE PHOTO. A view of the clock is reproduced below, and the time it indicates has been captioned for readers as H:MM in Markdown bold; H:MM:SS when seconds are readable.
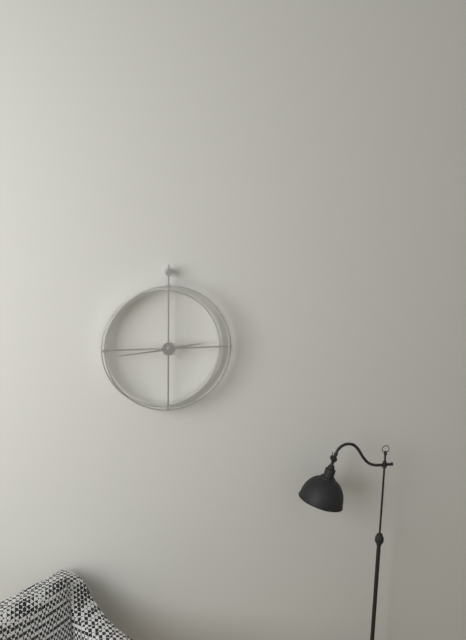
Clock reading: **2:44**
